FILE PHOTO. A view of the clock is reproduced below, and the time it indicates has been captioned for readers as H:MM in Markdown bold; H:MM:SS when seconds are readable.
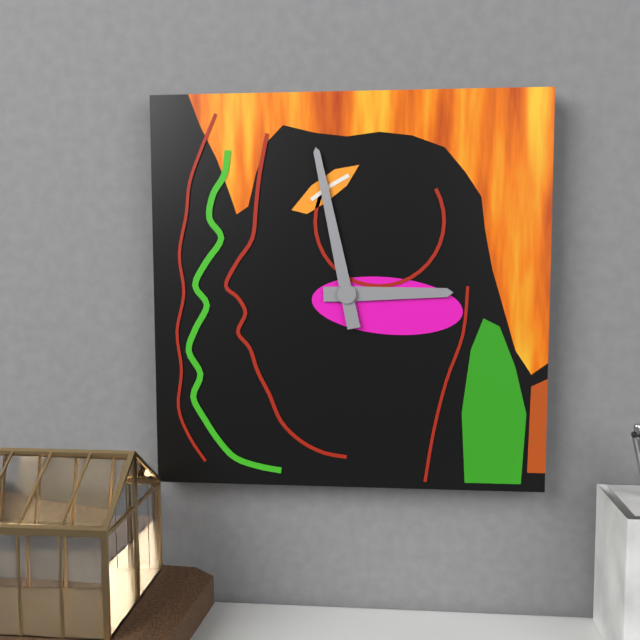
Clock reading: **2:58**
